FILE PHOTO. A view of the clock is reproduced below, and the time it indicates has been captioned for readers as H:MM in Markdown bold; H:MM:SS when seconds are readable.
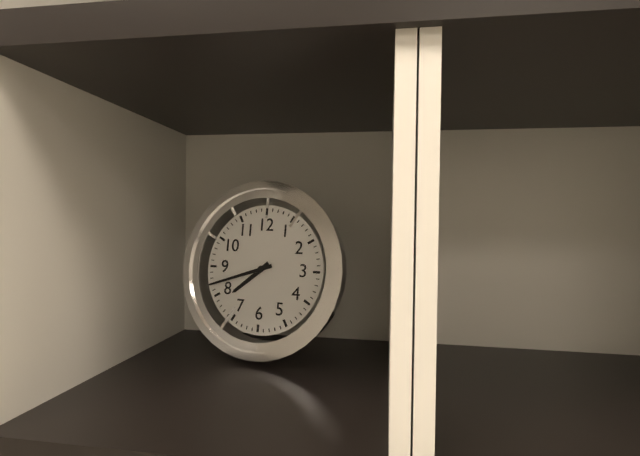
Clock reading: **7:42**
